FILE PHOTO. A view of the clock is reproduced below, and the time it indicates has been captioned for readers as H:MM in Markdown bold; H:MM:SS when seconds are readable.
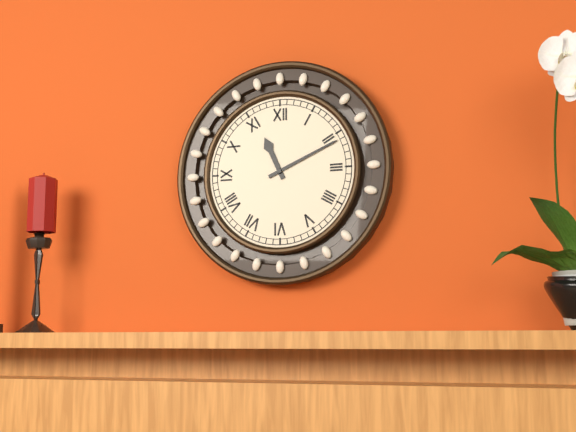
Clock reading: **11:11**
